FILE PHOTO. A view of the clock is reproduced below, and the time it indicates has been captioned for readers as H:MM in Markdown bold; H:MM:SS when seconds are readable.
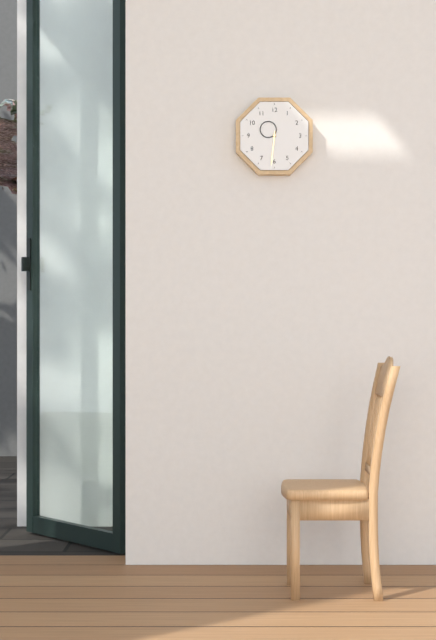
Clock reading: **10:31**
